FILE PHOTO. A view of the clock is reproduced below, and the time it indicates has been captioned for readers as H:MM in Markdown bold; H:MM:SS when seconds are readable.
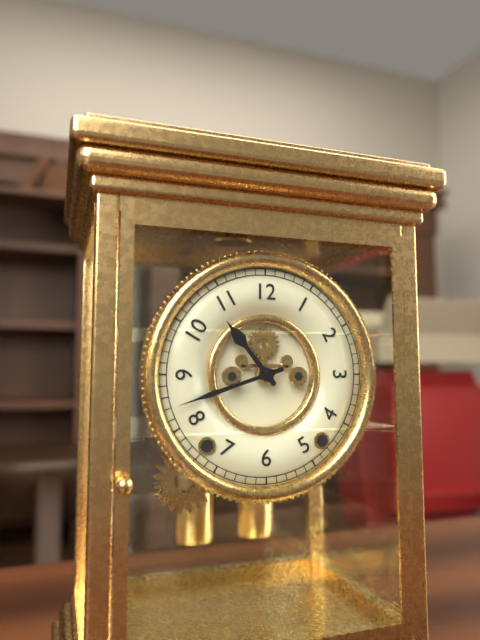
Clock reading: **10:42**
